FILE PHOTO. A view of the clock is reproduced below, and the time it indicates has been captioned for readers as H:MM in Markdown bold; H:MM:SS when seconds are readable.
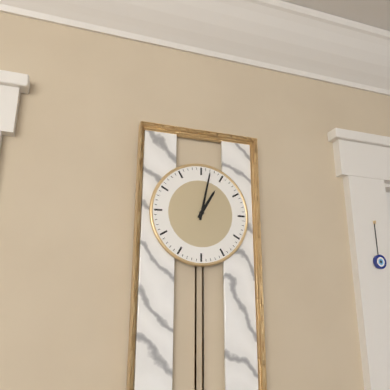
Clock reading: **1:02**
